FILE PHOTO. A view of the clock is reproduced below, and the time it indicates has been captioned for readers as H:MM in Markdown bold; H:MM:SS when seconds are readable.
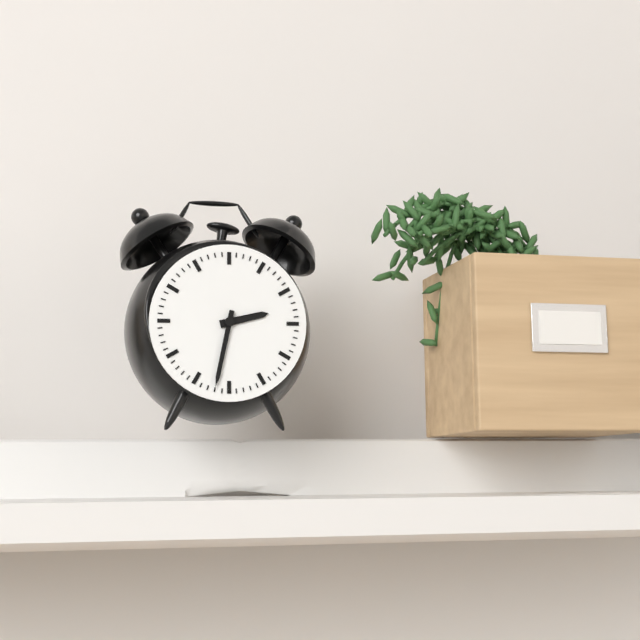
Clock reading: **2:32**
